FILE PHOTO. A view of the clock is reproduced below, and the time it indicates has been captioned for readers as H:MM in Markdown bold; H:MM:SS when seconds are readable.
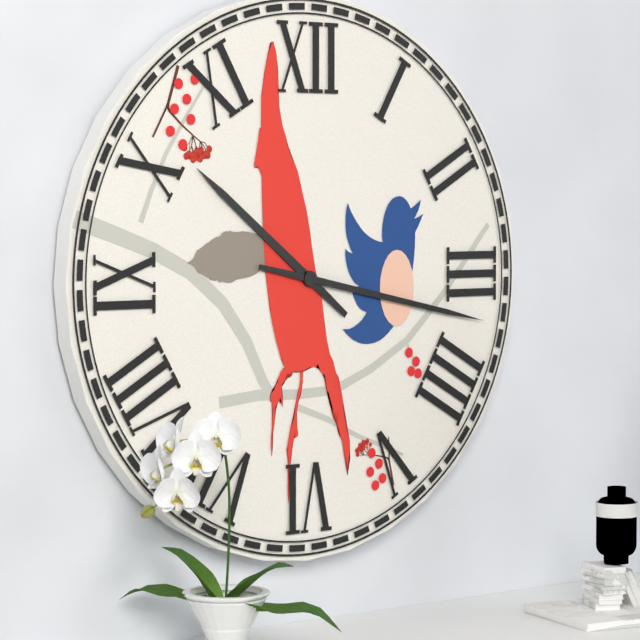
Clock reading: **10:17**
